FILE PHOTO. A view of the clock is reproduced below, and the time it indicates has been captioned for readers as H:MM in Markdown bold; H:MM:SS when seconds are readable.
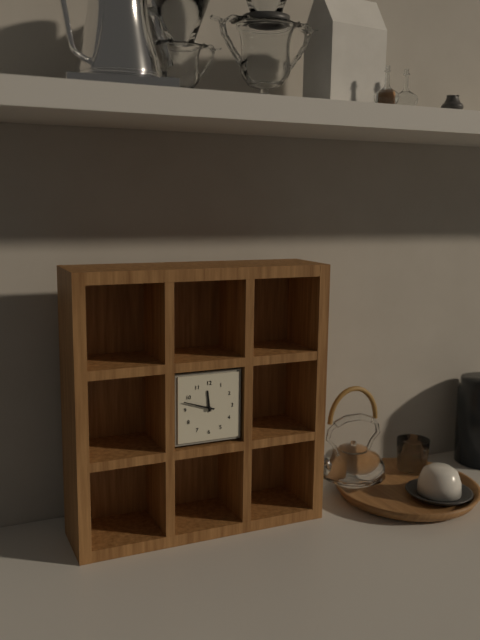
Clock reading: **11:48**
